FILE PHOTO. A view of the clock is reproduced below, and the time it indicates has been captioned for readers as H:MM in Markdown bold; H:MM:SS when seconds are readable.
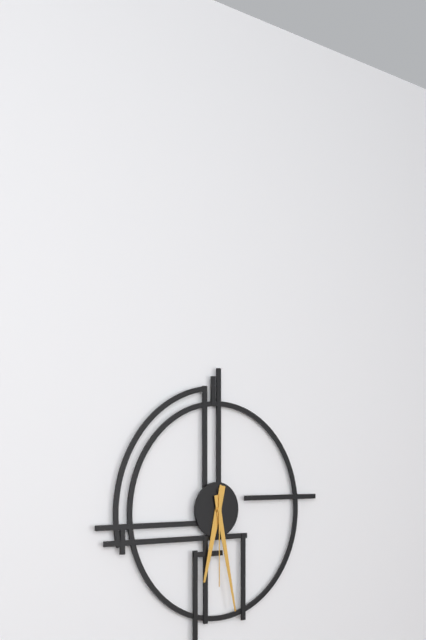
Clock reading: **6:28:30**
